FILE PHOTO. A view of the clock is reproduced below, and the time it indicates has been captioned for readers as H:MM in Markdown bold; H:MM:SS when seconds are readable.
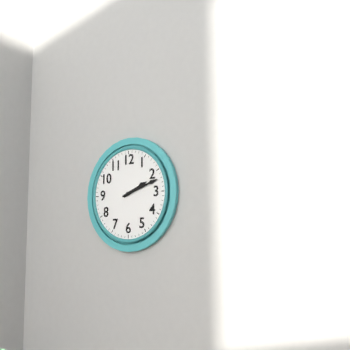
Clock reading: **2:12**
